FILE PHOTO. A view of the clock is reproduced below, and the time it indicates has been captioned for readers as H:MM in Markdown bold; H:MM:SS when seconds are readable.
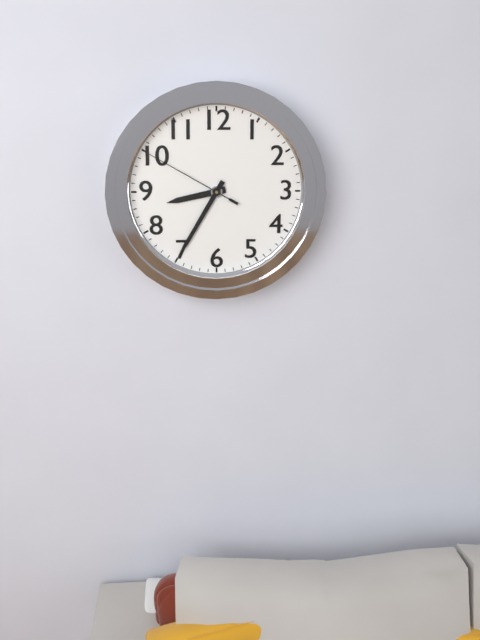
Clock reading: **8:35:50**
